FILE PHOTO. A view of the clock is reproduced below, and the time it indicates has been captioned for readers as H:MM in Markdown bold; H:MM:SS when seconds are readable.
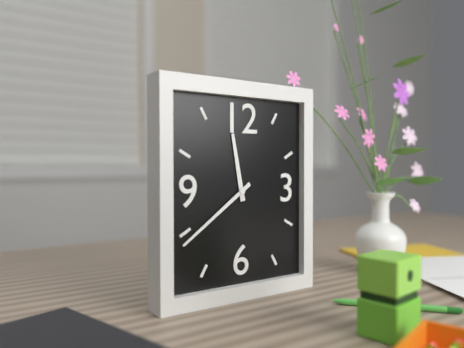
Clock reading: **11:39**
